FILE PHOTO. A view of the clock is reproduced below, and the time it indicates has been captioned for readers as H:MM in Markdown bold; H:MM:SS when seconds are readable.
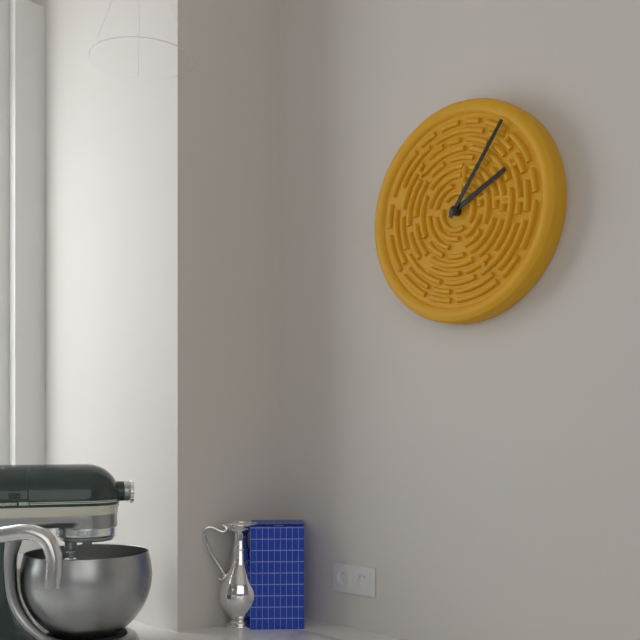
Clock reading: **2:06**
